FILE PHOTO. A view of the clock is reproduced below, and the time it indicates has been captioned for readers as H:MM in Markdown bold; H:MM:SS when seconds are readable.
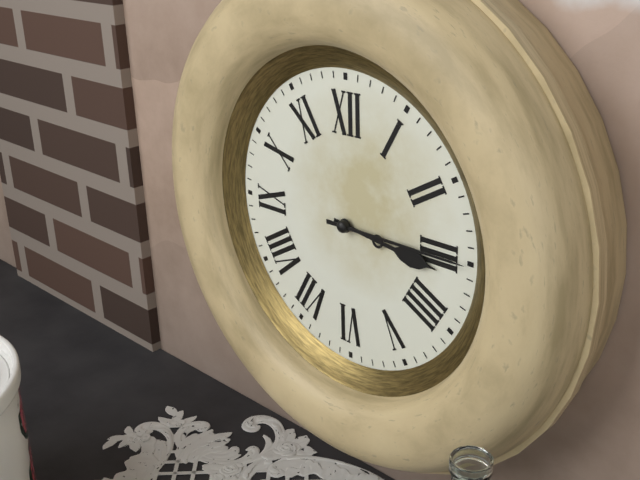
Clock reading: **3:15**
